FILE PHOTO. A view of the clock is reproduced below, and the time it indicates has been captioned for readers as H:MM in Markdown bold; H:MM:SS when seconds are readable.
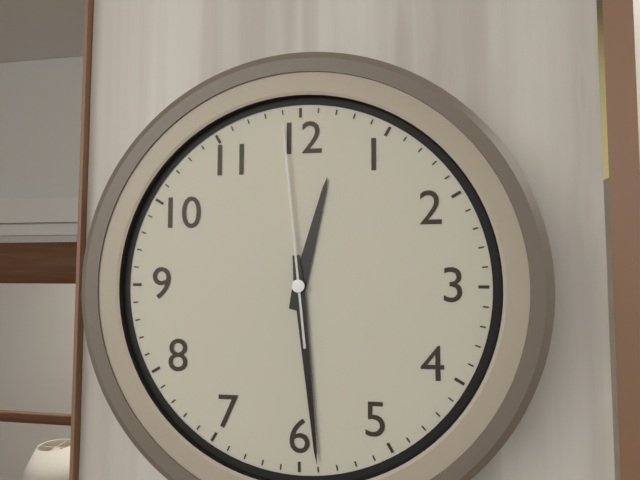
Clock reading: **12:29:59**
